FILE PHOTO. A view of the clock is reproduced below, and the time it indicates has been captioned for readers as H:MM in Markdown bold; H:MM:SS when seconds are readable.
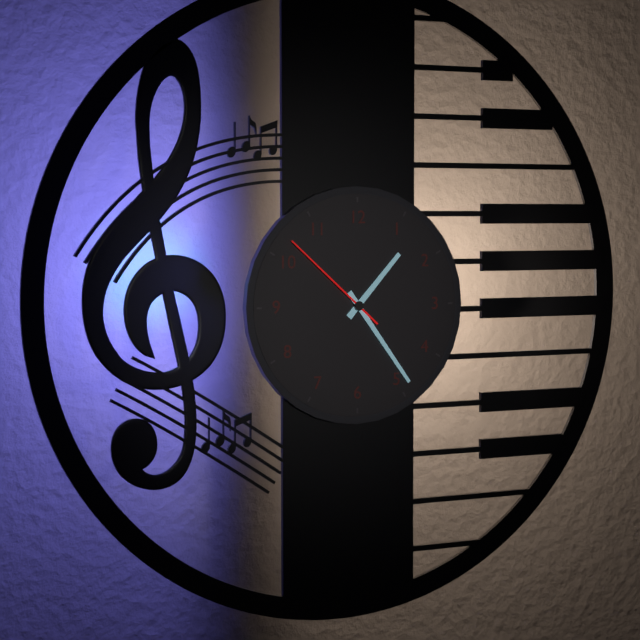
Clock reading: **1:24:52**
